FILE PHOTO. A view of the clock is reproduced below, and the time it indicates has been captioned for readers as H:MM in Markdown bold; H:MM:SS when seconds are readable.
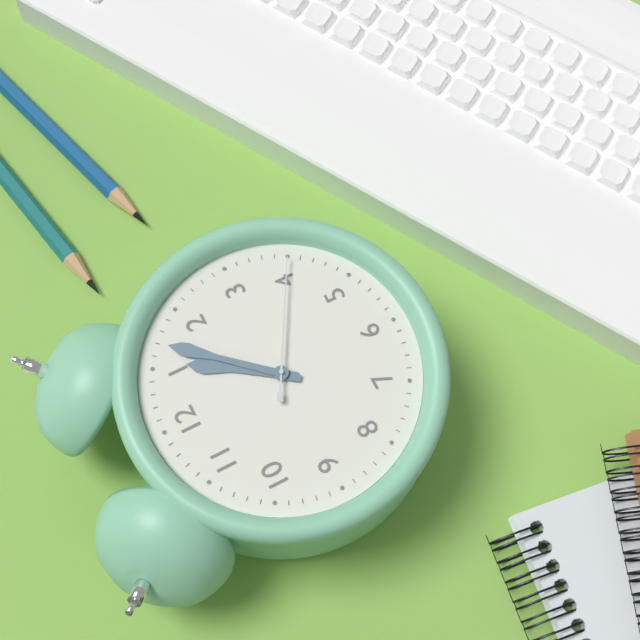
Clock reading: **1:07:20**
